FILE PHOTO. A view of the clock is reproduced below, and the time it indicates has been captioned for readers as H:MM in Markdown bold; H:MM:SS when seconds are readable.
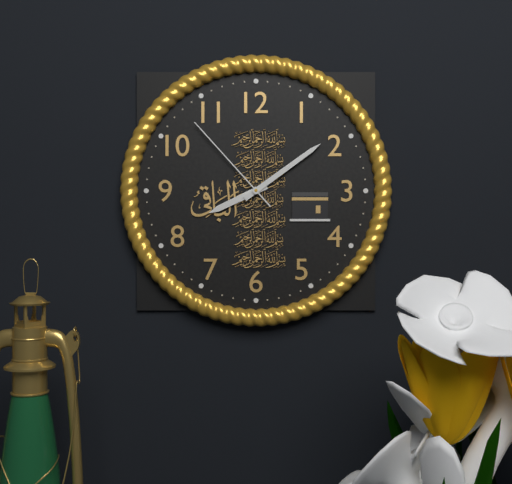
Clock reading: **8:09:53**
